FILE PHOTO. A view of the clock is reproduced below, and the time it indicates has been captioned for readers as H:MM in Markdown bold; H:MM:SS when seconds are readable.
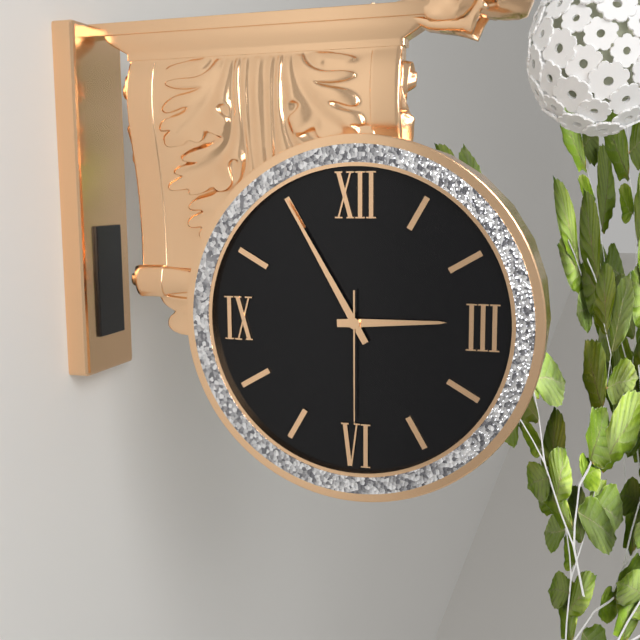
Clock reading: **2:55:30**
